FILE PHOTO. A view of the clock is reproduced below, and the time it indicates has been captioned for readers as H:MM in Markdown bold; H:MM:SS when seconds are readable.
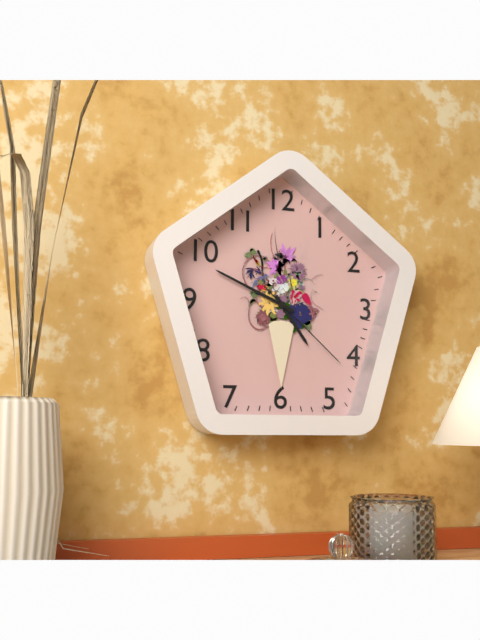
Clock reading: **4:49:22**
